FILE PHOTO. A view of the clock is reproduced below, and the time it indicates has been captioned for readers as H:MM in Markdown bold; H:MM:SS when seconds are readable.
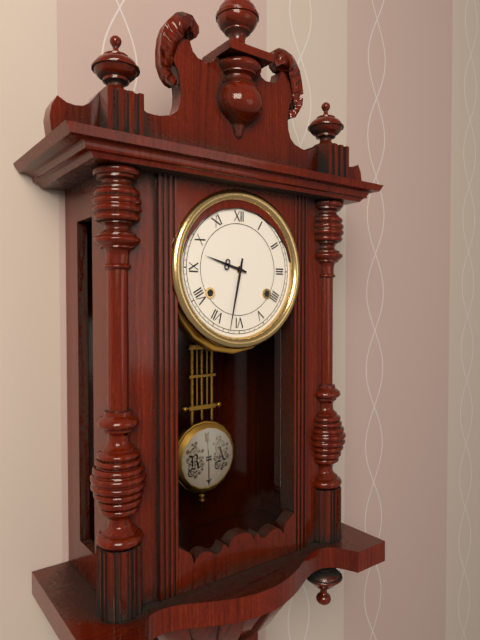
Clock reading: **9:32**
